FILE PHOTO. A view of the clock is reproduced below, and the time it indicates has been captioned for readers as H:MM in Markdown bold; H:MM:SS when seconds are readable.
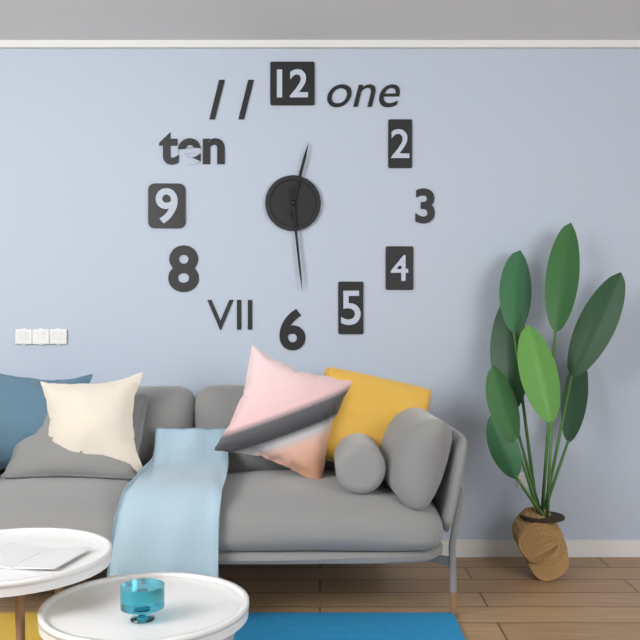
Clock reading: **12:29**
